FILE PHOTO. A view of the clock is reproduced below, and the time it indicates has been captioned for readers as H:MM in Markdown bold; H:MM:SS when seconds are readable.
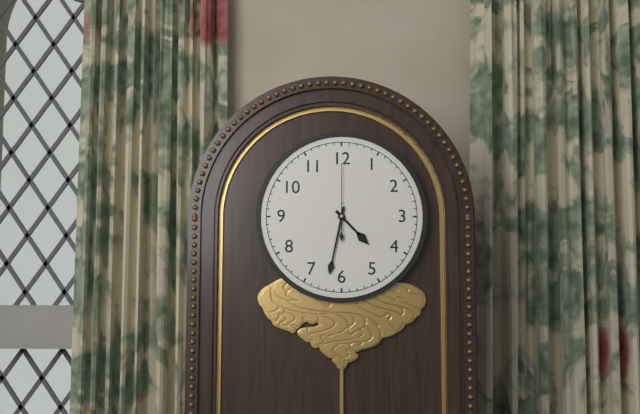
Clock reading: **4:32:00**
